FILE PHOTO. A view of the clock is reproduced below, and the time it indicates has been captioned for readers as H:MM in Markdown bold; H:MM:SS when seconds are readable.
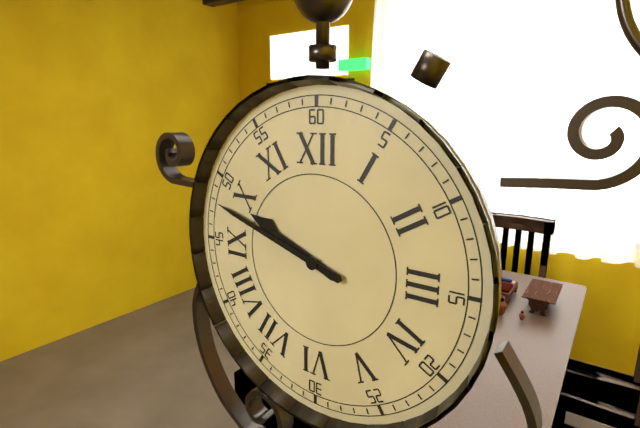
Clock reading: **9:48**
